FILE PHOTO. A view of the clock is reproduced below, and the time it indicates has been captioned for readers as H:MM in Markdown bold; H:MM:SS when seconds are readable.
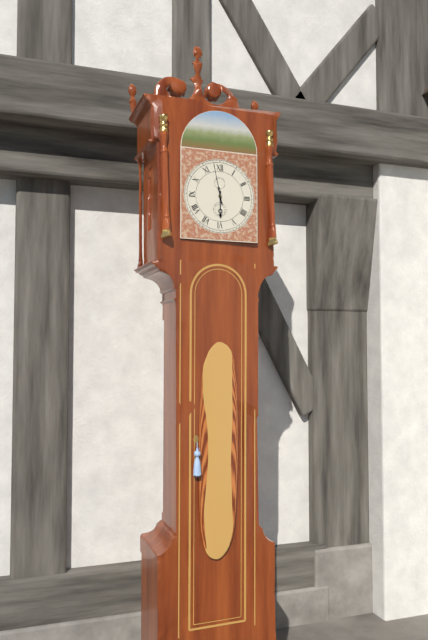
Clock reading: **5:58**
